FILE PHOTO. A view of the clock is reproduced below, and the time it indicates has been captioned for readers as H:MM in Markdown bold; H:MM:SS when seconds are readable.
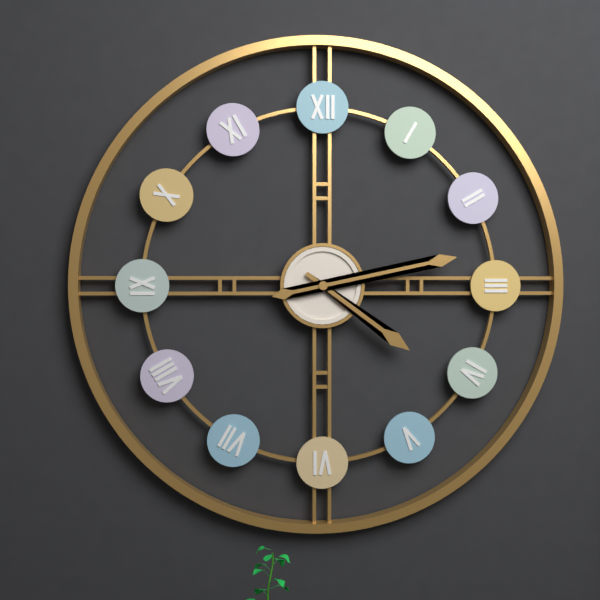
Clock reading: **4:13**
